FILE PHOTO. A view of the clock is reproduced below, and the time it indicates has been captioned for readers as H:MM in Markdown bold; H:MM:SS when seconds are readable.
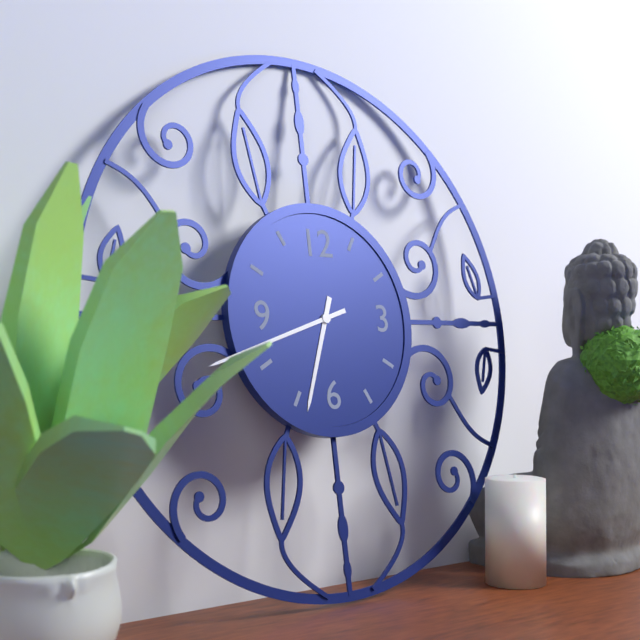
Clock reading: **6:42**
